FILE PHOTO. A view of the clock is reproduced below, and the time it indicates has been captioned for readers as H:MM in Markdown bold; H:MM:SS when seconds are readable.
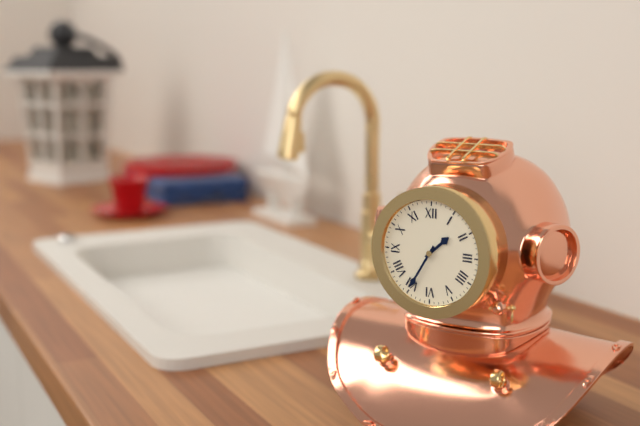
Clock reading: **1:35**
